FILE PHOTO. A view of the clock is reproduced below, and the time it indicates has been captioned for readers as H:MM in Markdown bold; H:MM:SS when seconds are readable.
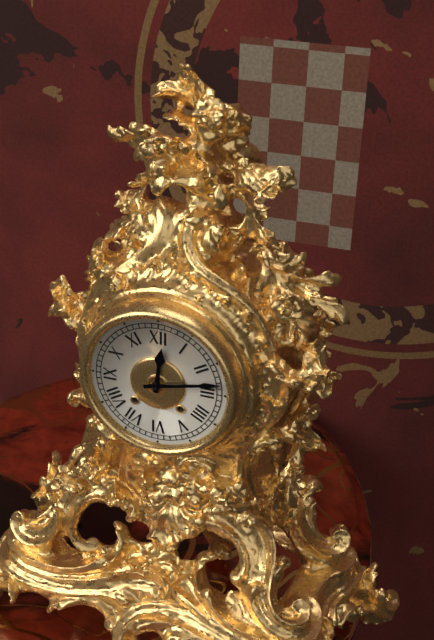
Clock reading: **12:13**
